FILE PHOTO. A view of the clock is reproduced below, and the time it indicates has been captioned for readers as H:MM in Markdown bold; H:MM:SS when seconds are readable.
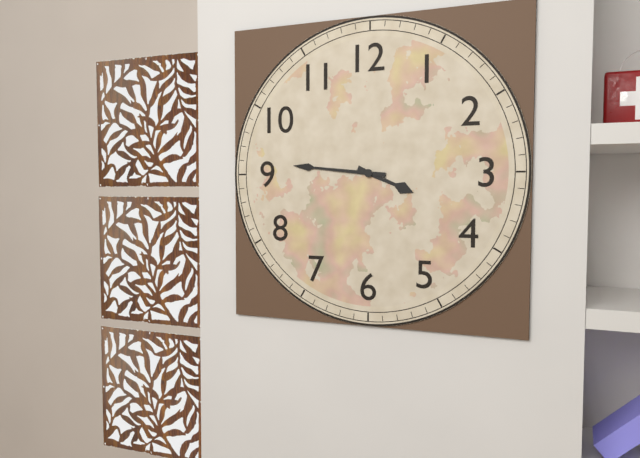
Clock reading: **3:46**
